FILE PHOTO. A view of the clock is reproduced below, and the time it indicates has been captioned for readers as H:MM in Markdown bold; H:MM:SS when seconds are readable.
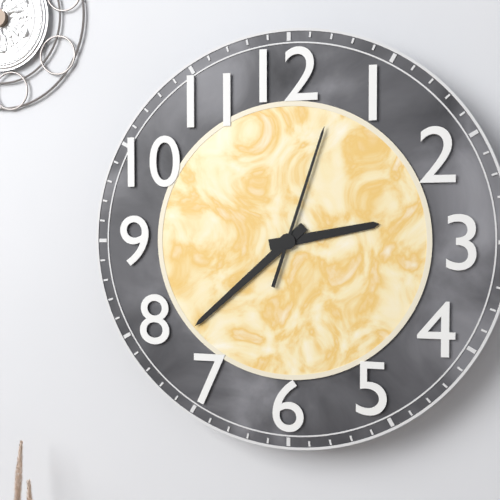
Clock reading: **2:38:03**
